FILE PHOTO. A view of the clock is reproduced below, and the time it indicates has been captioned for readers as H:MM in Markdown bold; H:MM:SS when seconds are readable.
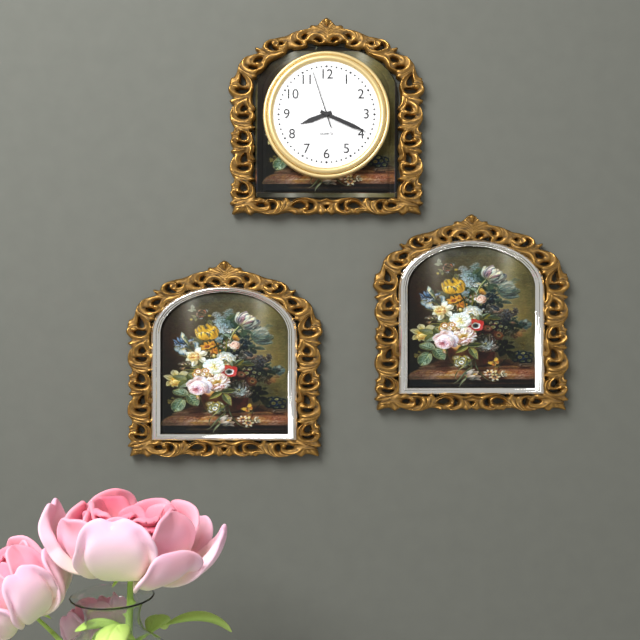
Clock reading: **8:19:57**
